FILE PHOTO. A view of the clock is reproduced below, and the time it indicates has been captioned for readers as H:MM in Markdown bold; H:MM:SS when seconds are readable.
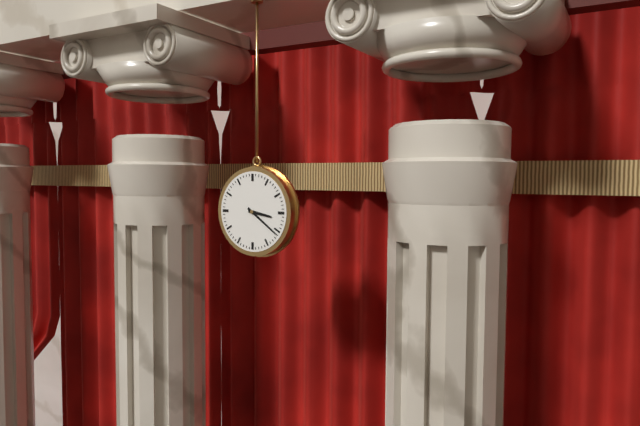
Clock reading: **3:21**
